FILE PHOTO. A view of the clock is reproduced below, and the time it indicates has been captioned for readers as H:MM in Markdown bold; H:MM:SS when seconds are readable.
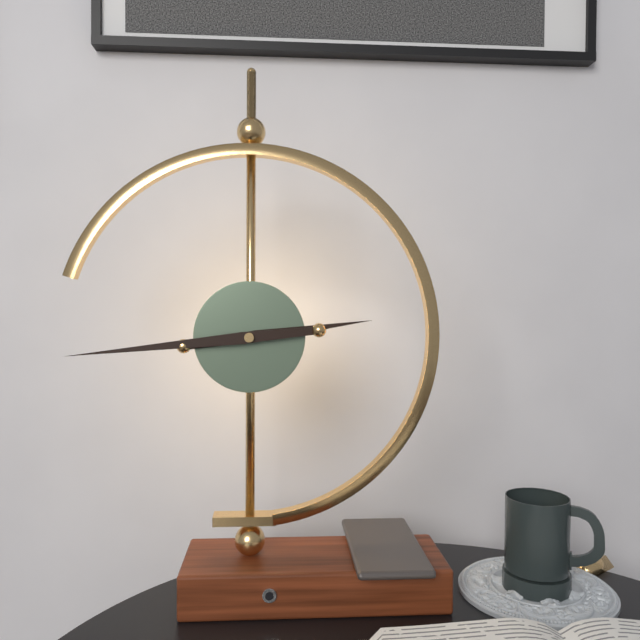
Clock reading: **2:44**
